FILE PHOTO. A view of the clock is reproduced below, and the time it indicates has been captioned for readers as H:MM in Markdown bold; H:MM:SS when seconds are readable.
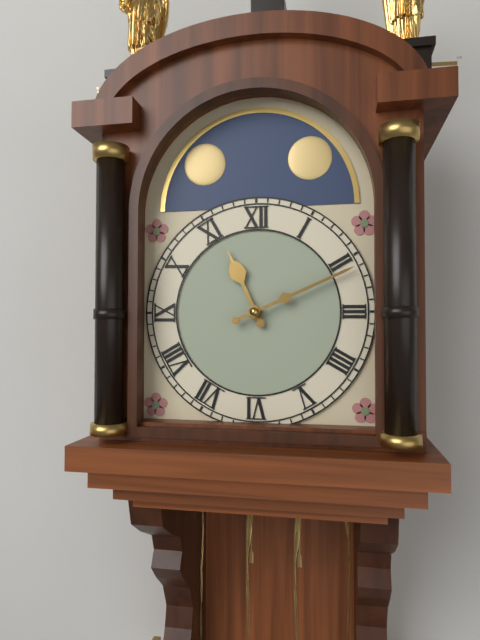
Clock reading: **11:11**
